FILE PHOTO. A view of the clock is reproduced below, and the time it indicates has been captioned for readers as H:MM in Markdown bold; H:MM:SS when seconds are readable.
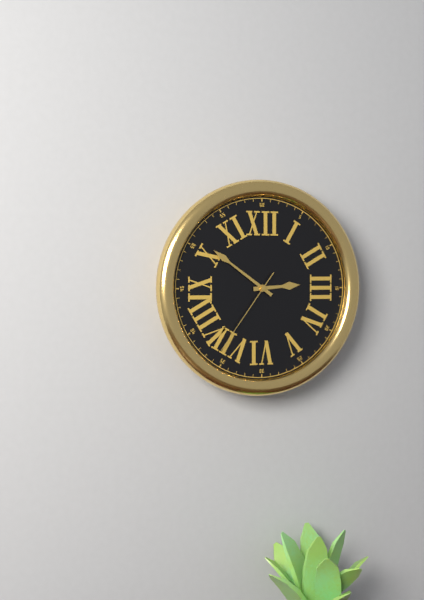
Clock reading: **2:51:36**
